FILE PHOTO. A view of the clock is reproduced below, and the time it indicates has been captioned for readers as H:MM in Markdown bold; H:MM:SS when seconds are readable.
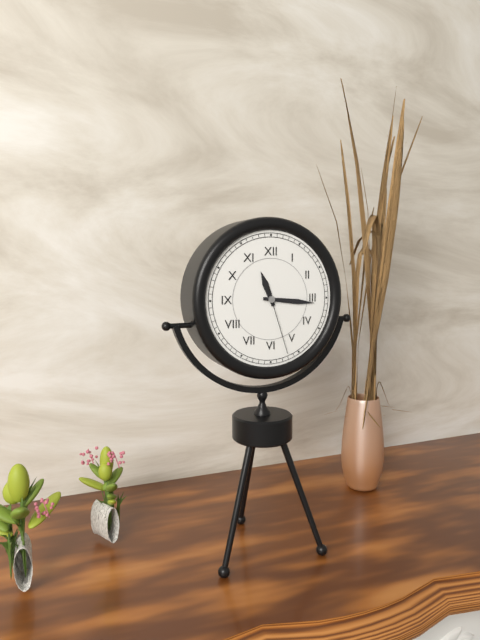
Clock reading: **11:16:27**
